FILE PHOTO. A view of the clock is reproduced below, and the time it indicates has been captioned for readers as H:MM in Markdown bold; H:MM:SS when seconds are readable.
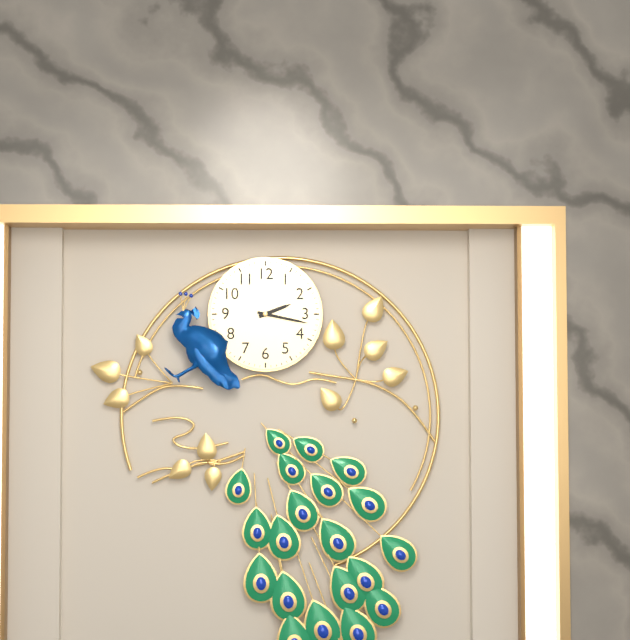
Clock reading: **2:17**
